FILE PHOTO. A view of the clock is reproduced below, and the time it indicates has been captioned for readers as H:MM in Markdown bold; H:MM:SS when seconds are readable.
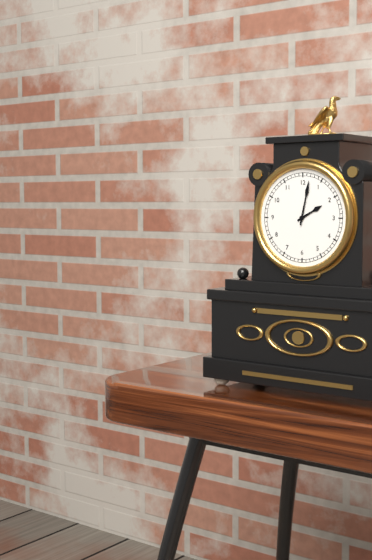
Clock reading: **2:02**
